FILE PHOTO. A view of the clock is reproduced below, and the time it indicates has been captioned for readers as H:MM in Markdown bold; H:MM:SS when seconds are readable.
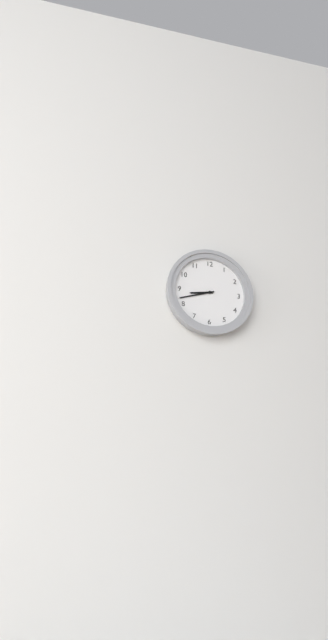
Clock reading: **8:42**
